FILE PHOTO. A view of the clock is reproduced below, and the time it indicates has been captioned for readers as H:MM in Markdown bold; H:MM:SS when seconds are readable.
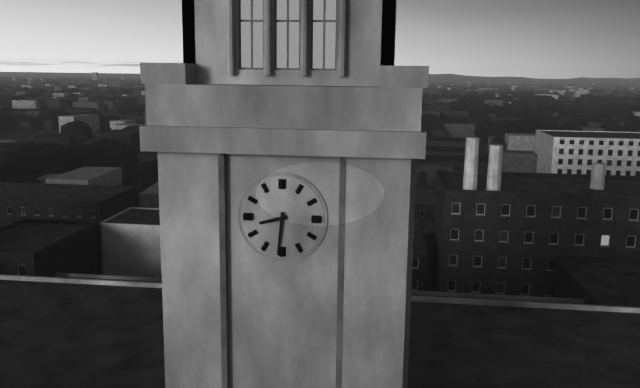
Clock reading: **8:31**
